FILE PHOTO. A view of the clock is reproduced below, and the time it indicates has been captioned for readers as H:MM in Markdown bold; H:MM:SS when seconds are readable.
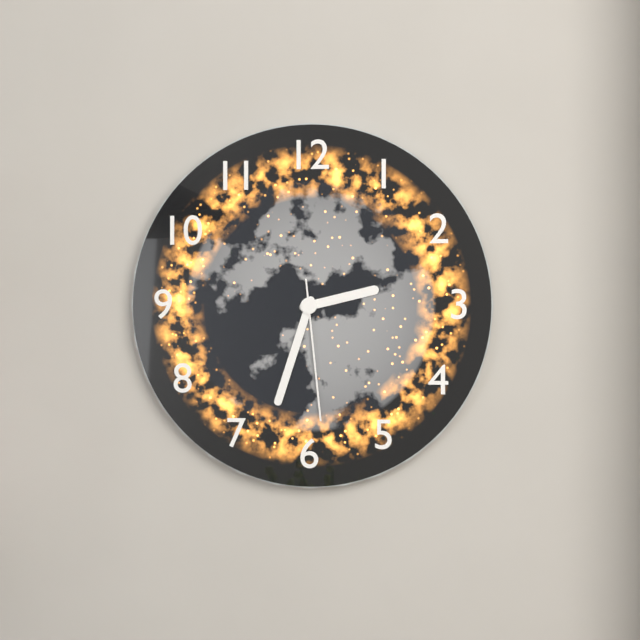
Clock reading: **2:33:29**
